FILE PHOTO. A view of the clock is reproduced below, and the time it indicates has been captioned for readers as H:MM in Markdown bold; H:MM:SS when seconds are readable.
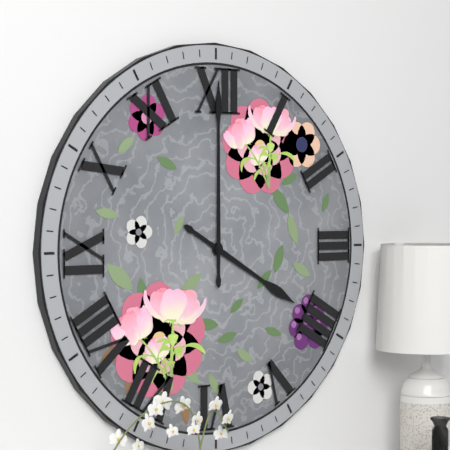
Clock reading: **4:00**
